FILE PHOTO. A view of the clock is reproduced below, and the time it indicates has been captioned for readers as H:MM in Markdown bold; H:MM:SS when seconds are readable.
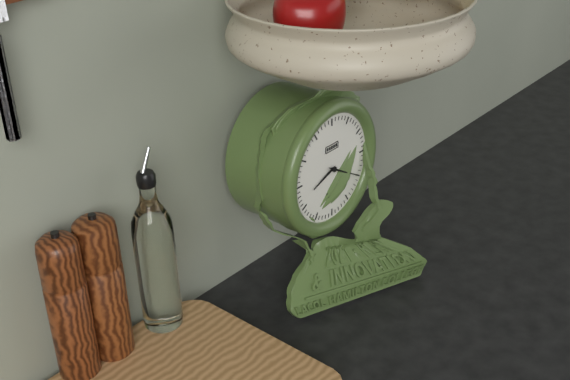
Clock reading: **8:20**
